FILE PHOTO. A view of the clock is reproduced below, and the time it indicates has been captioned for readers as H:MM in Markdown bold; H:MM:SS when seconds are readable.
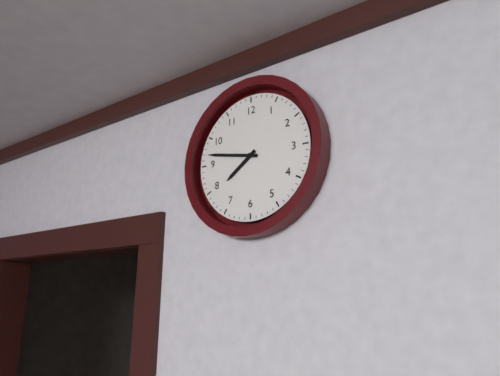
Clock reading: **7:47**
